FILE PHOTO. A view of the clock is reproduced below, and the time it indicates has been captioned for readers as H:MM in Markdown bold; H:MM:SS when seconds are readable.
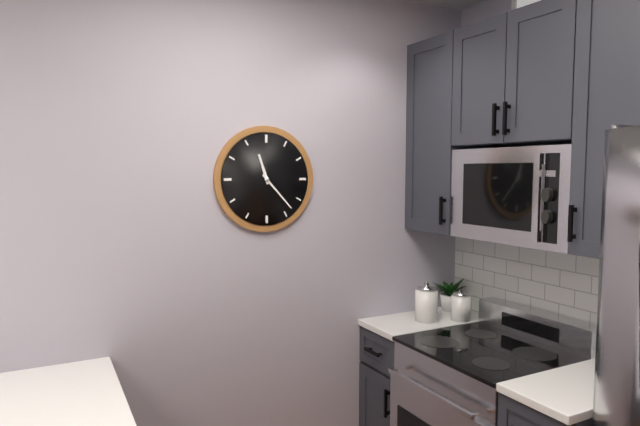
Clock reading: **11:23**
